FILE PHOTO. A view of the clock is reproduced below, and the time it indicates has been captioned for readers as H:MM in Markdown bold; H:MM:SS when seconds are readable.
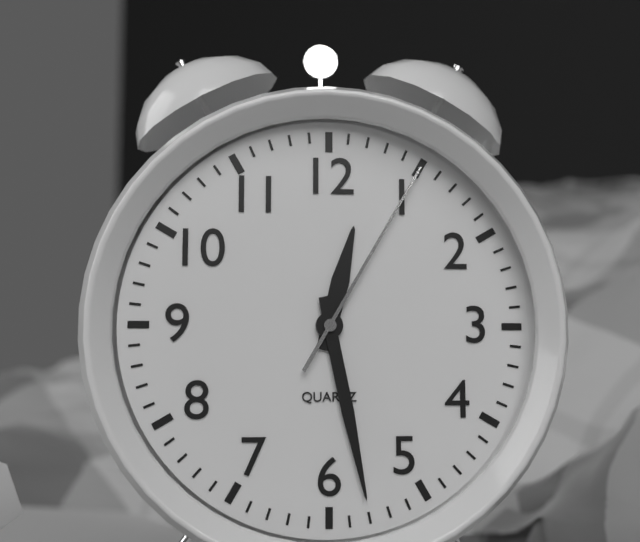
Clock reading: **12:28:05**
